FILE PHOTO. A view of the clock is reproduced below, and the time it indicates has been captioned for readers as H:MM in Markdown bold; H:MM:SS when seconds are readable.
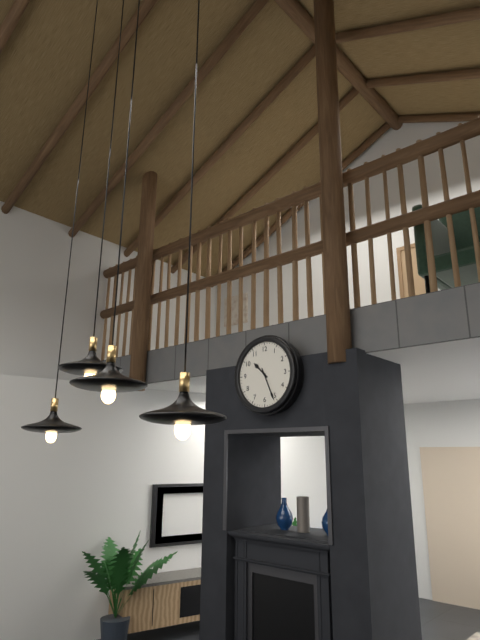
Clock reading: **10:26**
